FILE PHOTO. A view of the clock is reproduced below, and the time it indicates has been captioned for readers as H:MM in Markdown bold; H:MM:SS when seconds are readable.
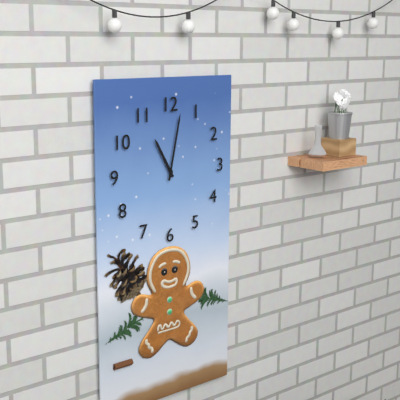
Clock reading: **11:02**
